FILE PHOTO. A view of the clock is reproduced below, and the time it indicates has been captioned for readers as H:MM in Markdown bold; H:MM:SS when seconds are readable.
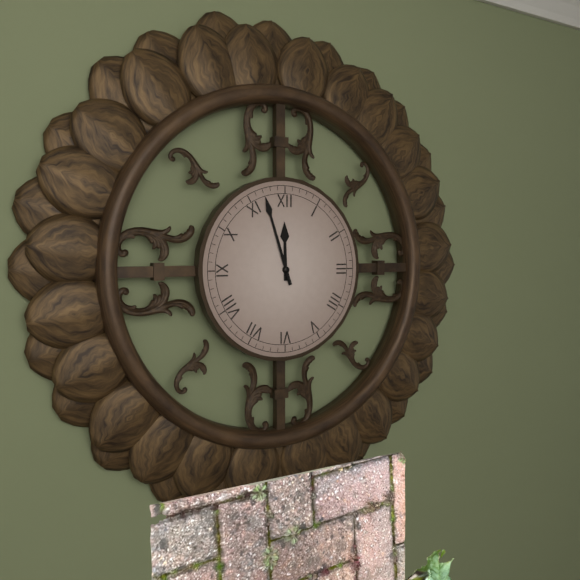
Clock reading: **11:57**
